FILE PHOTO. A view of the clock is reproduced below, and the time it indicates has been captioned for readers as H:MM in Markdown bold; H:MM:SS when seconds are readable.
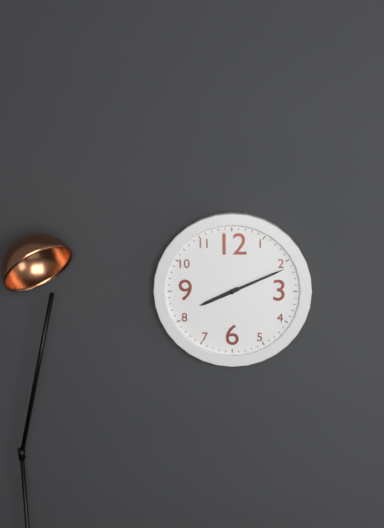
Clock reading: **8:11**
